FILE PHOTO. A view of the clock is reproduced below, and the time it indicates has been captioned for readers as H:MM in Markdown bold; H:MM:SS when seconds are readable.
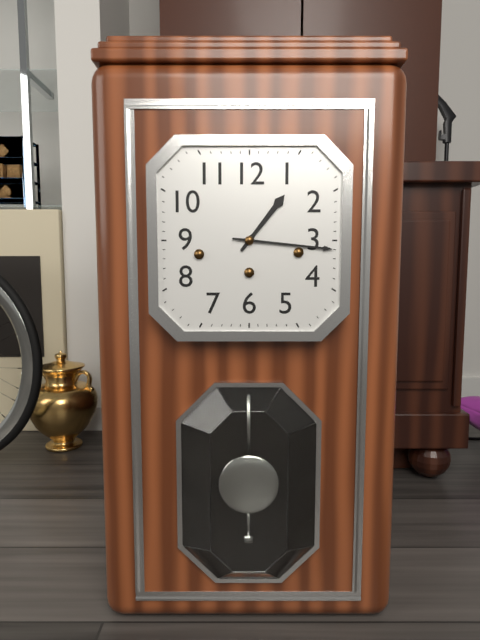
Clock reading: **1:16**
